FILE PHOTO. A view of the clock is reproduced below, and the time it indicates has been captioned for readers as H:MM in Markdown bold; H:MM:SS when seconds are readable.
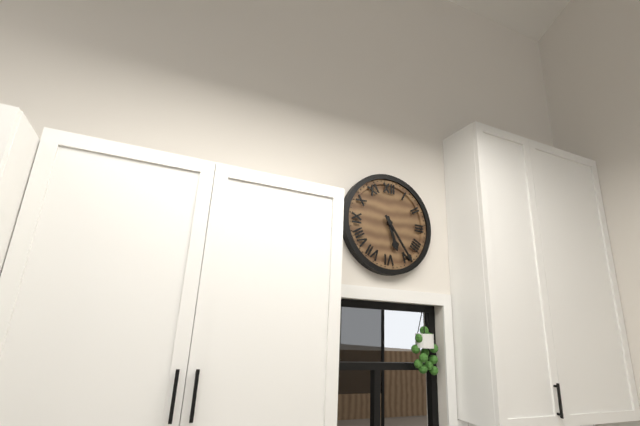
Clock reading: **5:24**
